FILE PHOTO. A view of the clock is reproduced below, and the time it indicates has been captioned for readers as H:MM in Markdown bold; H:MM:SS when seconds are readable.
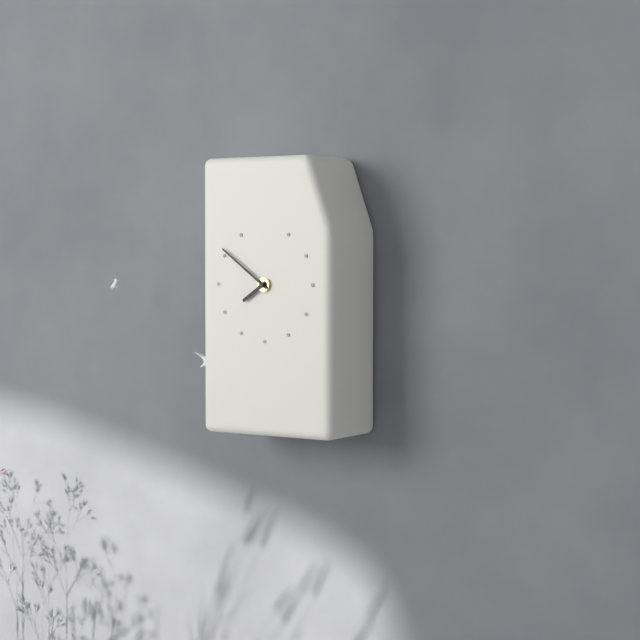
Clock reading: **7:51**
